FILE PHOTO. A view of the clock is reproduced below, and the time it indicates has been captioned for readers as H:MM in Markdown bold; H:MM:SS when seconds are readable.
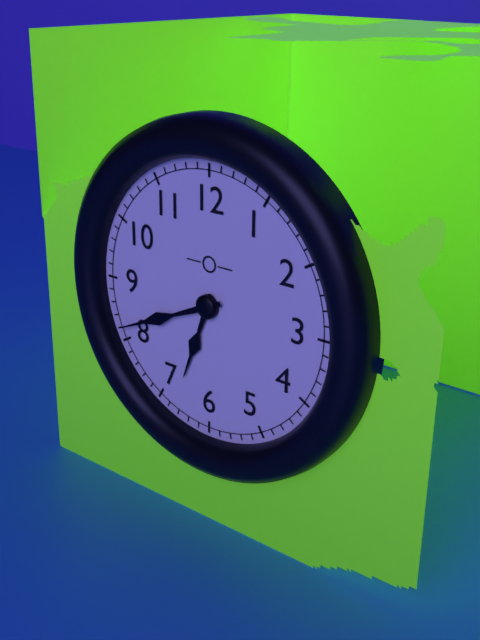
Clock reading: **6:41**
